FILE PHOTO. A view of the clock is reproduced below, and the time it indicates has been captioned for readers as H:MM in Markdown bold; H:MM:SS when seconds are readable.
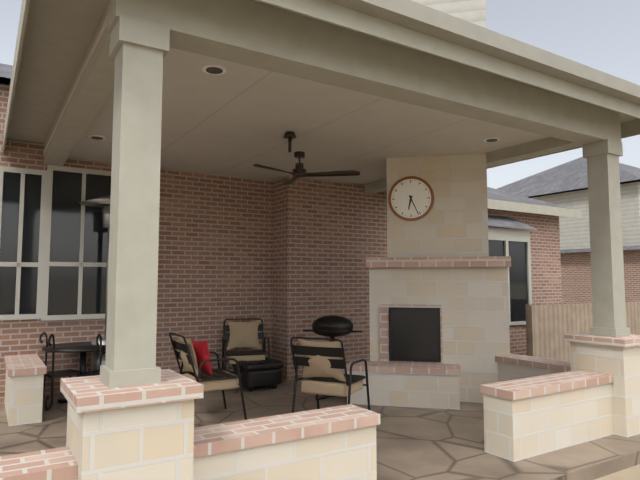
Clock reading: **6:26**
